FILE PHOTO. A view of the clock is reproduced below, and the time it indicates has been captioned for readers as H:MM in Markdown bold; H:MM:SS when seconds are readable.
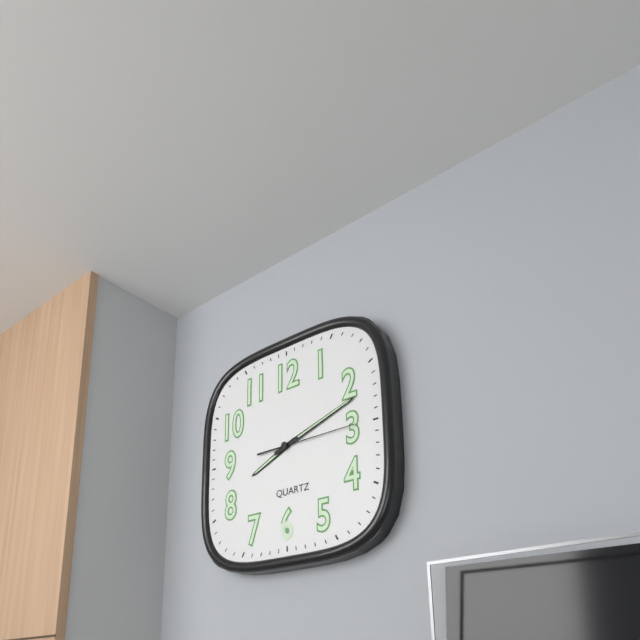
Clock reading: **8:12:15**
